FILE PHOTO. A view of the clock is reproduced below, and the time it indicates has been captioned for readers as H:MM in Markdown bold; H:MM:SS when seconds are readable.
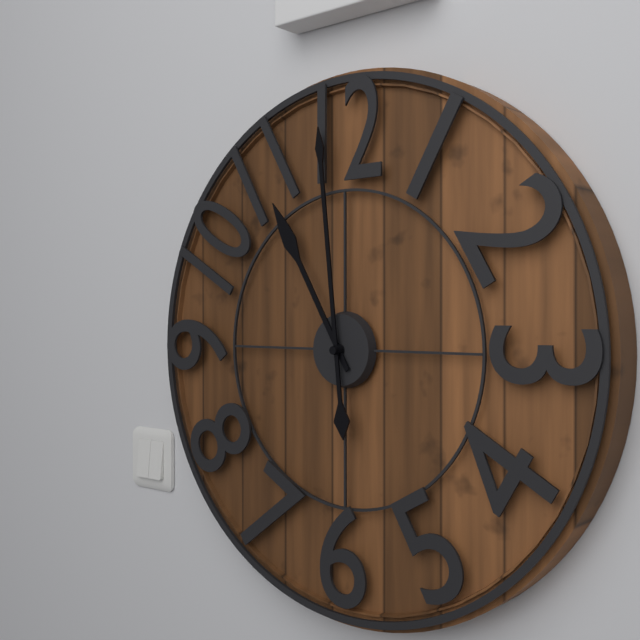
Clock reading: **10:59**
